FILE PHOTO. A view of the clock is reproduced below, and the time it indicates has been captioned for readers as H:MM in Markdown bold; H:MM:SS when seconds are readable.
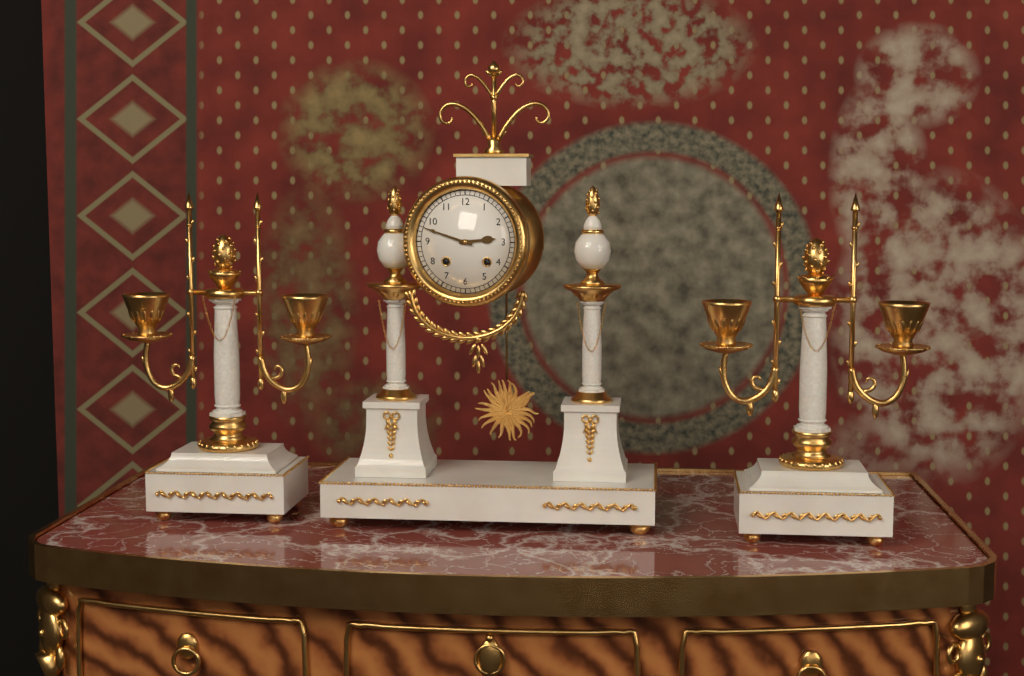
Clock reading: **2:48**
